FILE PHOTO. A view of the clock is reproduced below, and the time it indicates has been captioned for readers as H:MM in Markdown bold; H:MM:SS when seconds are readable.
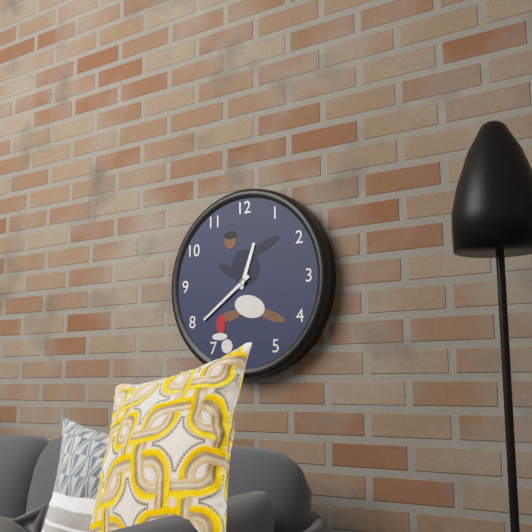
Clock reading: **12:39**
